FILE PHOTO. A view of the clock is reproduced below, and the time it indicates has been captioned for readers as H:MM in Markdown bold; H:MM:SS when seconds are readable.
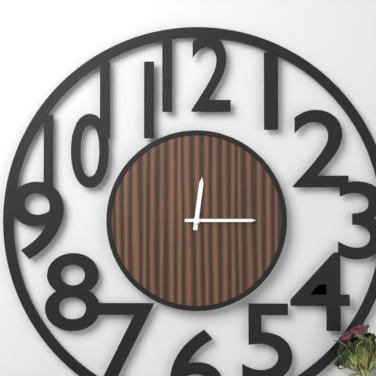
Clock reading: **12:15**
